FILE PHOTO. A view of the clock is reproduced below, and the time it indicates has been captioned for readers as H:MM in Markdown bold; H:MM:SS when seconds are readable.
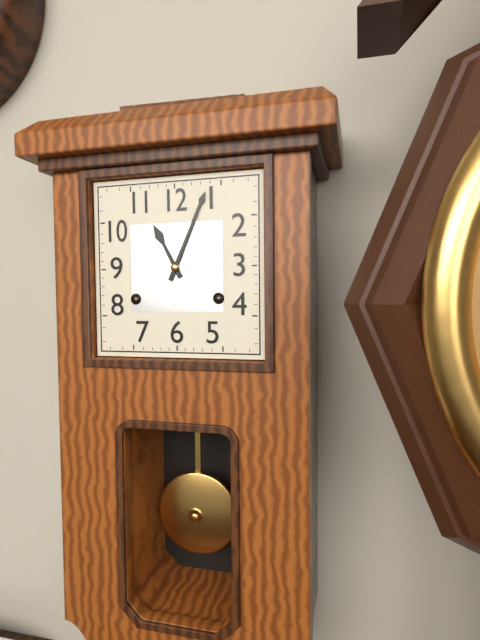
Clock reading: **11:04**
